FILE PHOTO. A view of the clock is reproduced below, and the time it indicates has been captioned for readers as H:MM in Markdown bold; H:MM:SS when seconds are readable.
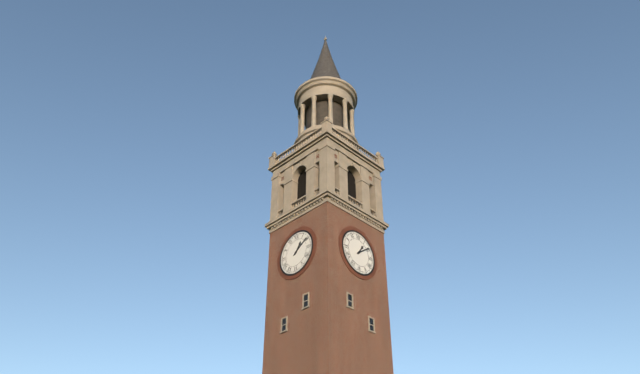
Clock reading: **1:09**
